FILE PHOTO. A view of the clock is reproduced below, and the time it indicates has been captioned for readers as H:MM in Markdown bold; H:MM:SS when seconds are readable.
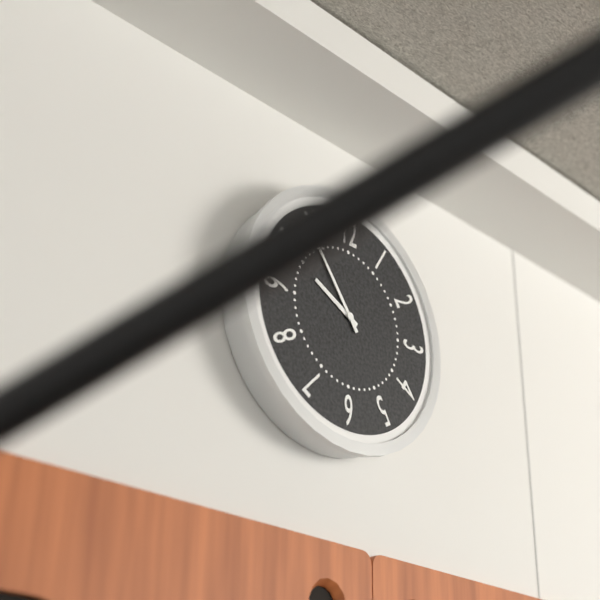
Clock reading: **9:54**
